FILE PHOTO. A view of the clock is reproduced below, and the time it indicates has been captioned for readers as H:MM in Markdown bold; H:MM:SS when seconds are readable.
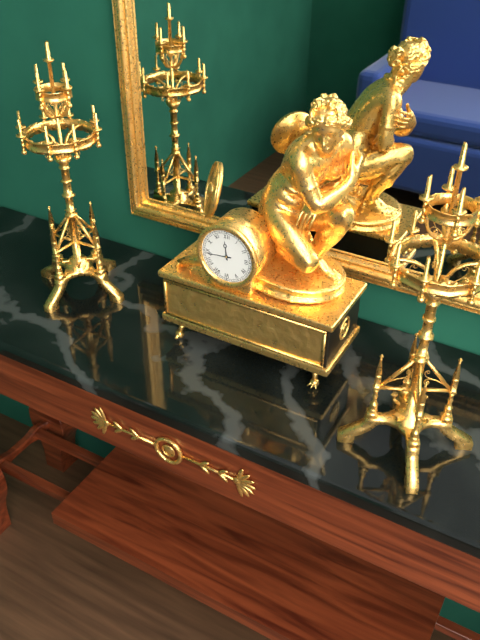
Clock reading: **11:44**
